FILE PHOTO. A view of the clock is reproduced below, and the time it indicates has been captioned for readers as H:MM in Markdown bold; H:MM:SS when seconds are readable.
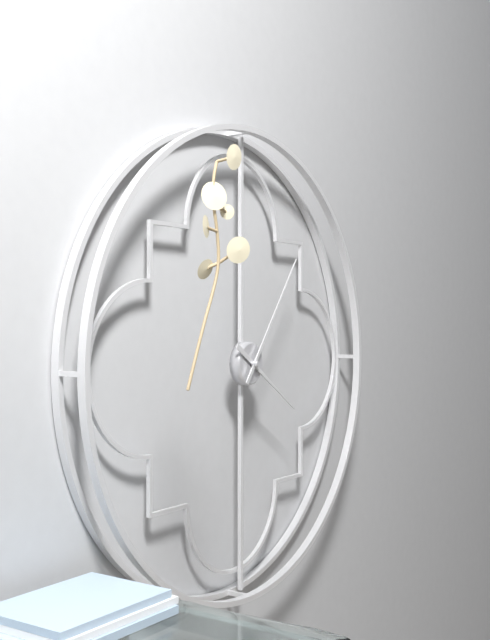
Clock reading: **4:06**
